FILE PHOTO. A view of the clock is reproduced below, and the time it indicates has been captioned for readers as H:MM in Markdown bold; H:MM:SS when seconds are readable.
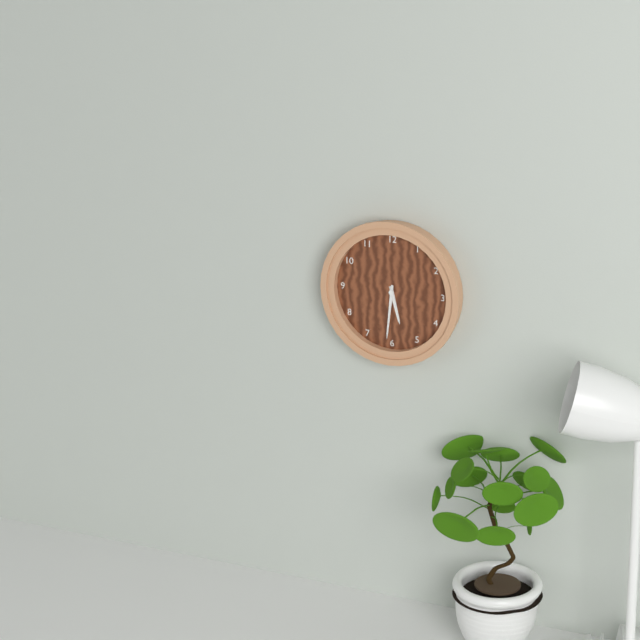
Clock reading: **5:31**
